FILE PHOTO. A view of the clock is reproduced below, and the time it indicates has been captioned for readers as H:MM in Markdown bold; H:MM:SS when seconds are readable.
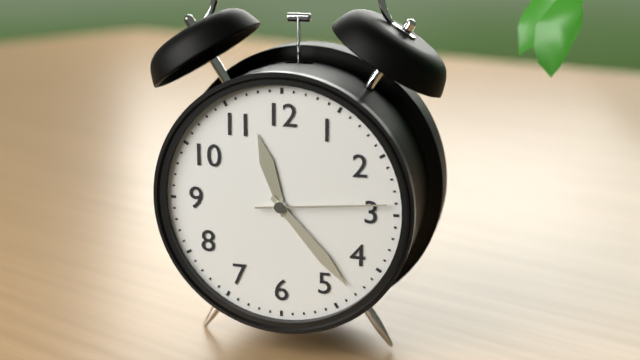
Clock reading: **11:23:14**
